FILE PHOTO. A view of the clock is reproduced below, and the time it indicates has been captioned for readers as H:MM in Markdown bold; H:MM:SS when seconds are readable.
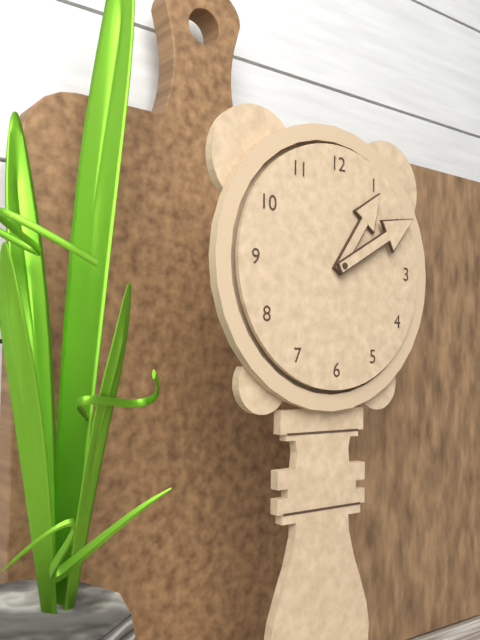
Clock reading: **1:10**
